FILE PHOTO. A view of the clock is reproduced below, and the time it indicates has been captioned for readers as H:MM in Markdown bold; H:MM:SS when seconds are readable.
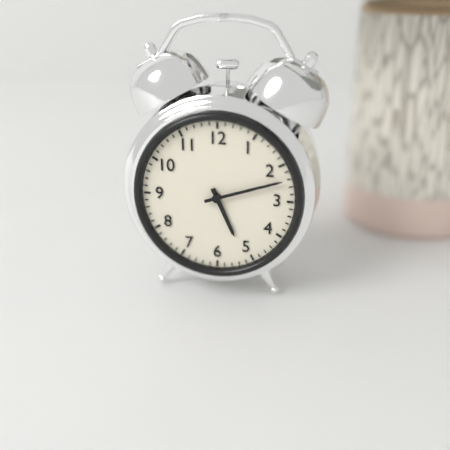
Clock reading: **5:12**
